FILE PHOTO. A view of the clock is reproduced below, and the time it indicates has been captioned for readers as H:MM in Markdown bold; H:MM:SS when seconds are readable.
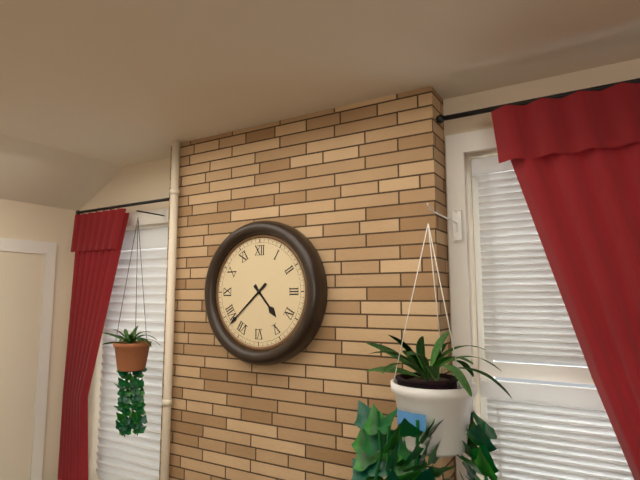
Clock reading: **4:38**
